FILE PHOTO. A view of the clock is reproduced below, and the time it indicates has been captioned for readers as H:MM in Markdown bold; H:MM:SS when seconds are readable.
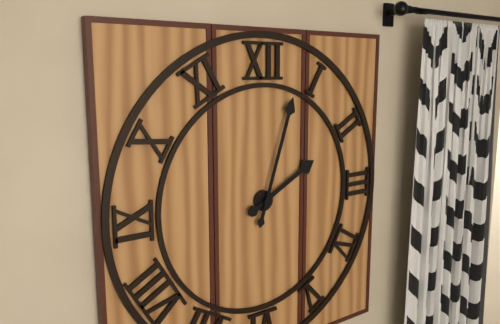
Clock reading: **2:03**
